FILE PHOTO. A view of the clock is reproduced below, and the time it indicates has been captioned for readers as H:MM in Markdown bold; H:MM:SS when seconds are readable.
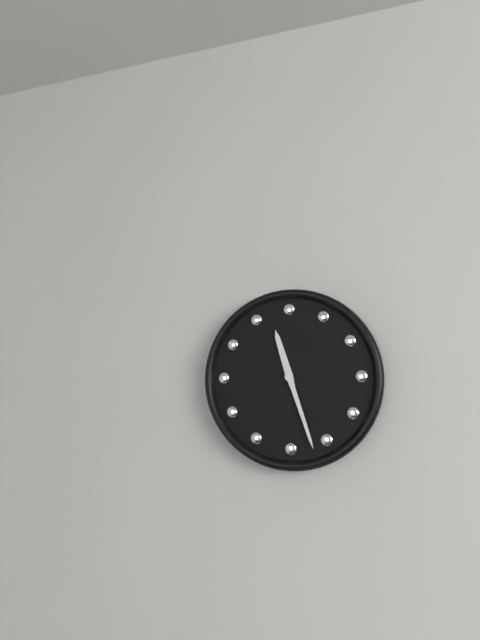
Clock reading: **11:27**
